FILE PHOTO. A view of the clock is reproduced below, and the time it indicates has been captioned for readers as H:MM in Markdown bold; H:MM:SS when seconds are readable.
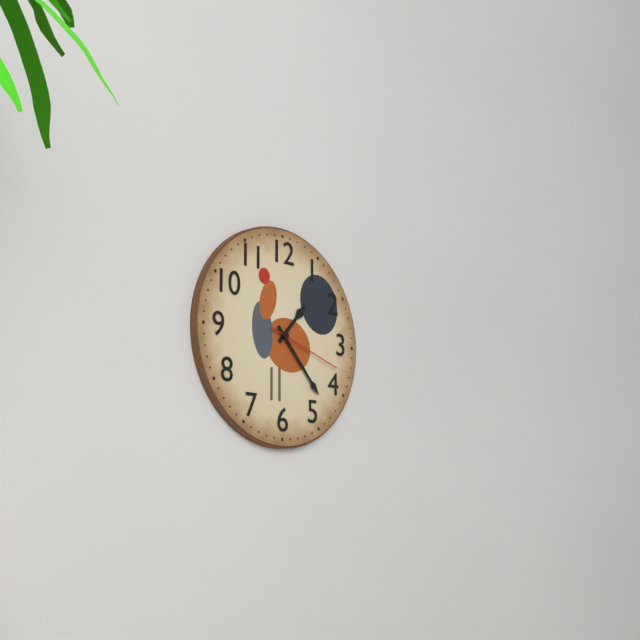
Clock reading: **1:23:18**
